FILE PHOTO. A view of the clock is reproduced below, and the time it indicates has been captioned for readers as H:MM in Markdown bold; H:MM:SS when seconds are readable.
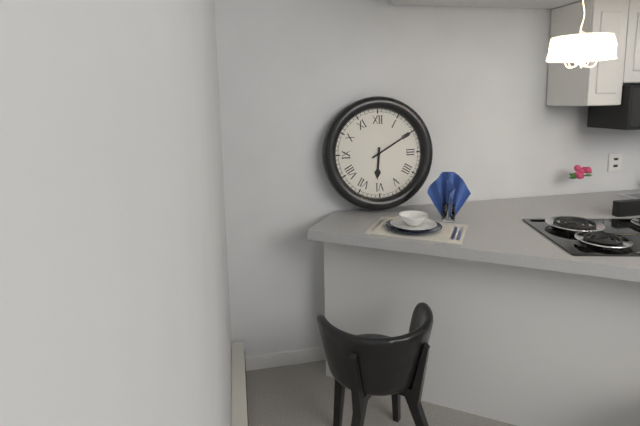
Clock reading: **6:10**
